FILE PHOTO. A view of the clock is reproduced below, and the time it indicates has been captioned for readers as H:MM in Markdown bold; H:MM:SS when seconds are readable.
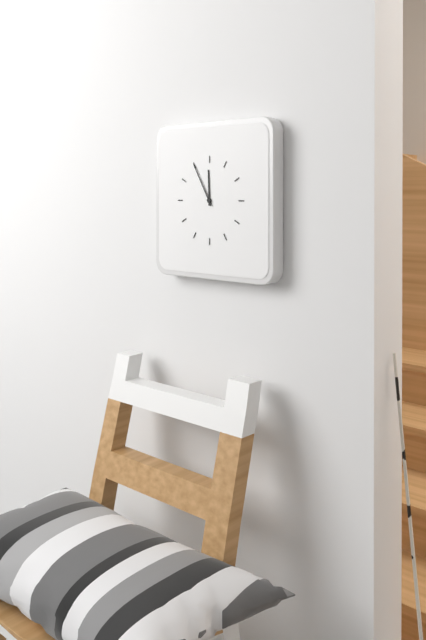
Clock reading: **11:55**
